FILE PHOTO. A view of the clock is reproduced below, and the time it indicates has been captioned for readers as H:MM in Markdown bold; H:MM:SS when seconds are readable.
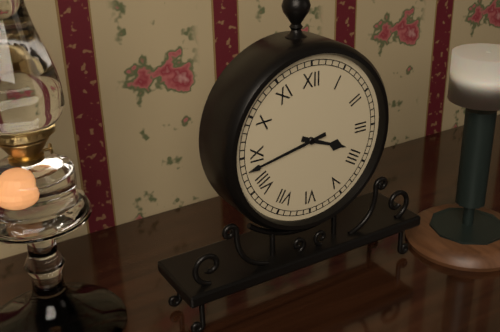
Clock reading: **3:43**
